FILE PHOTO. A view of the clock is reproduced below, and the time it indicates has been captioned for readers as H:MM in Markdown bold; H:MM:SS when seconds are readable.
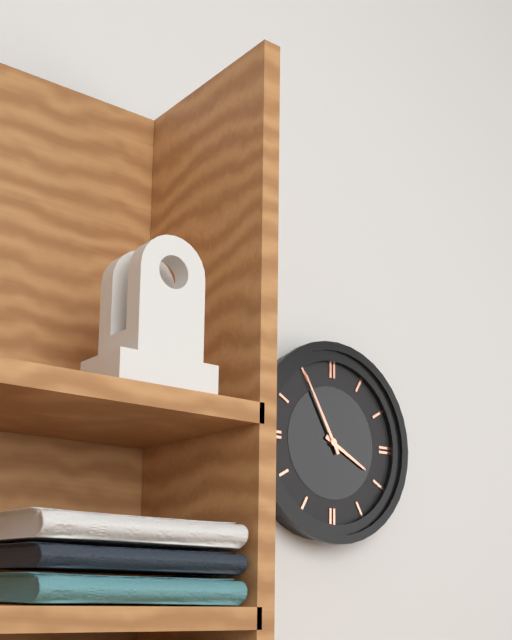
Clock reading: **3:55**
